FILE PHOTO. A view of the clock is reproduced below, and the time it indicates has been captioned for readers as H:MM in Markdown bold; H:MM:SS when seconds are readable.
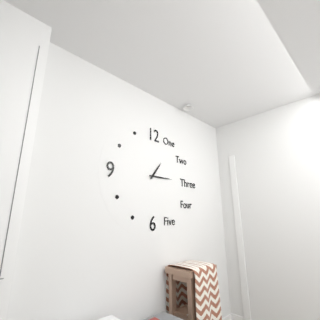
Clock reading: **1:15**
